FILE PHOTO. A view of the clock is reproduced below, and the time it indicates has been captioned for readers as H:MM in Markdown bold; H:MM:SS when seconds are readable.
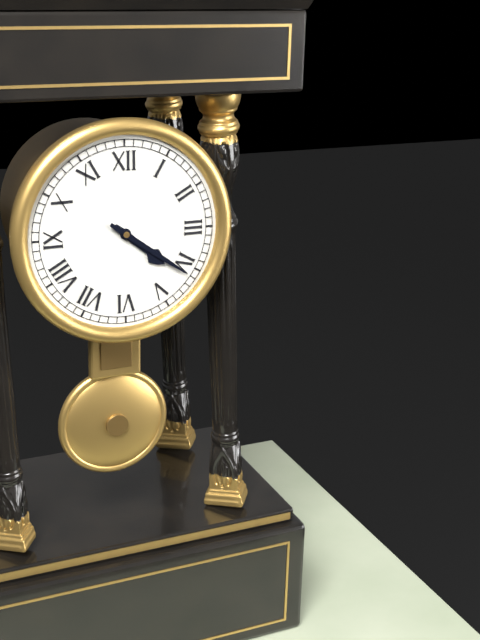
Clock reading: **4:21**
